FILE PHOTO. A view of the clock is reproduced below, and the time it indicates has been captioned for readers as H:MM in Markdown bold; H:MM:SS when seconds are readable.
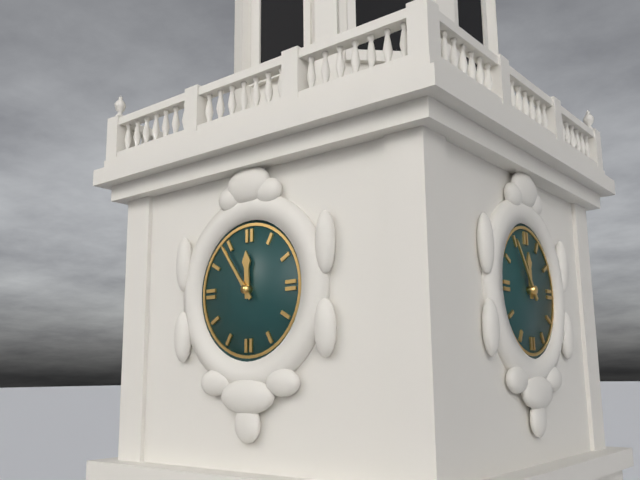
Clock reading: **11:54**
